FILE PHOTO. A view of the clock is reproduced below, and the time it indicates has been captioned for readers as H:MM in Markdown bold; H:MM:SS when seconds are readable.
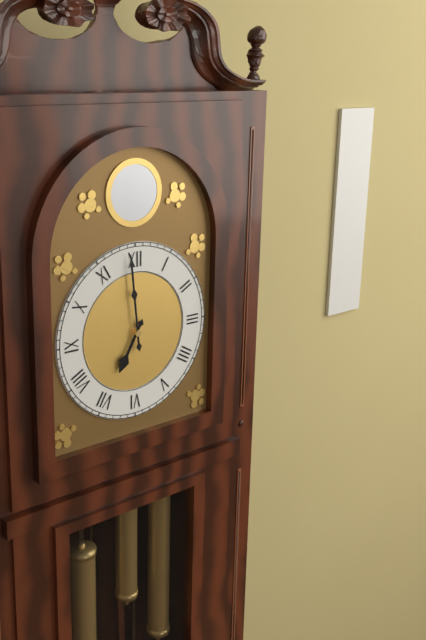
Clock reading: **6:59**
